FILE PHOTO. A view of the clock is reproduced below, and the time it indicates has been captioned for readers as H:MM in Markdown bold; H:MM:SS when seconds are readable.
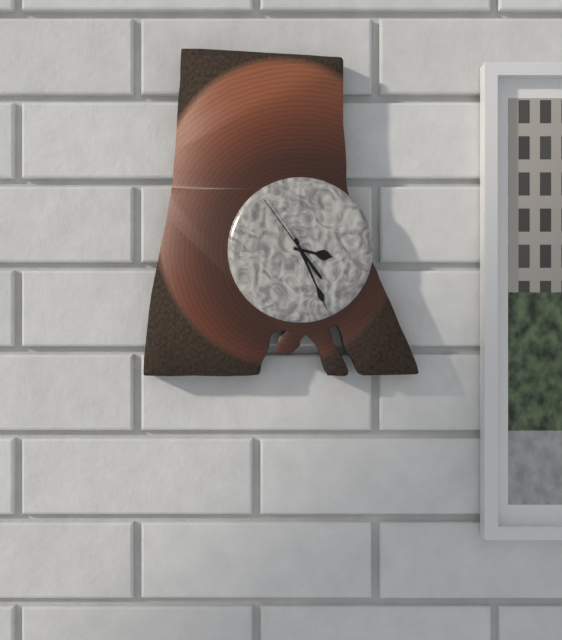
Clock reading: **3:26:54**
